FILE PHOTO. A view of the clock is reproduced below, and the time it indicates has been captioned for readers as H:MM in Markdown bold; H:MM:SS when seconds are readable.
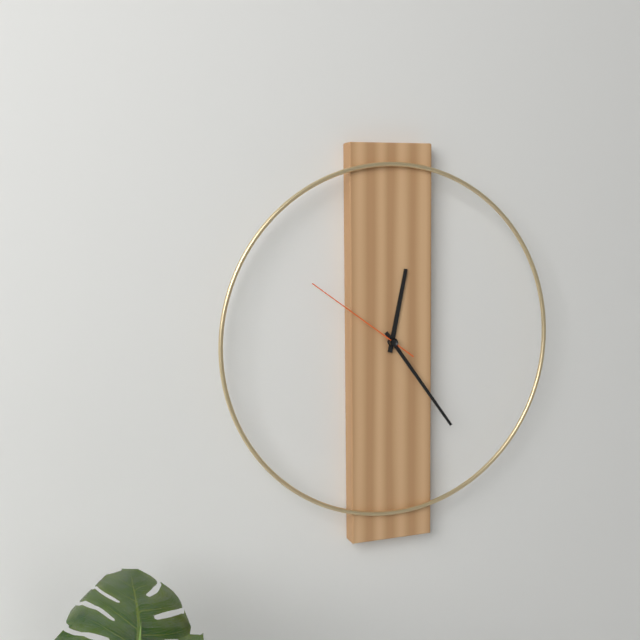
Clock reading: **12:24:51**
